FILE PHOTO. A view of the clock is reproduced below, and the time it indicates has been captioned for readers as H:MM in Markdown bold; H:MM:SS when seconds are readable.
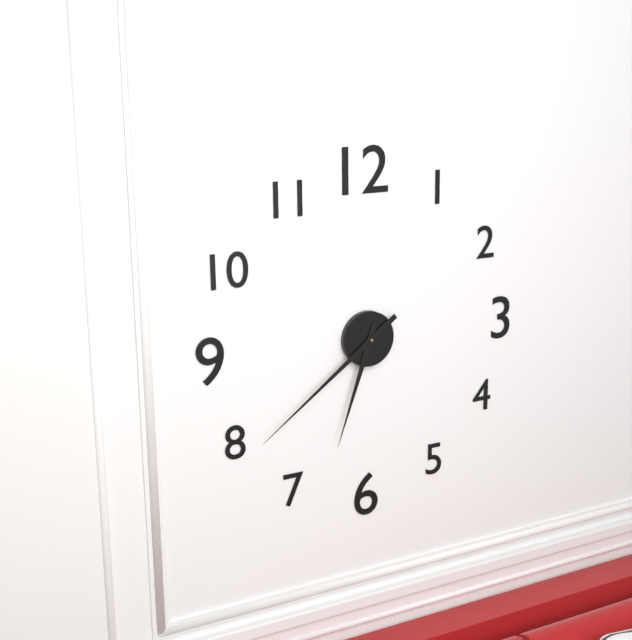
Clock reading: **6:39**
